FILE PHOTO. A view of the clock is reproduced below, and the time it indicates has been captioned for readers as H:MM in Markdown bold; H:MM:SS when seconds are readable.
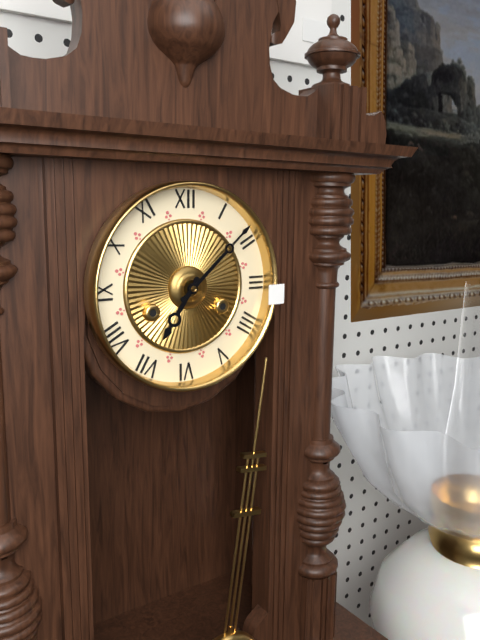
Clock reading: **7:08**
